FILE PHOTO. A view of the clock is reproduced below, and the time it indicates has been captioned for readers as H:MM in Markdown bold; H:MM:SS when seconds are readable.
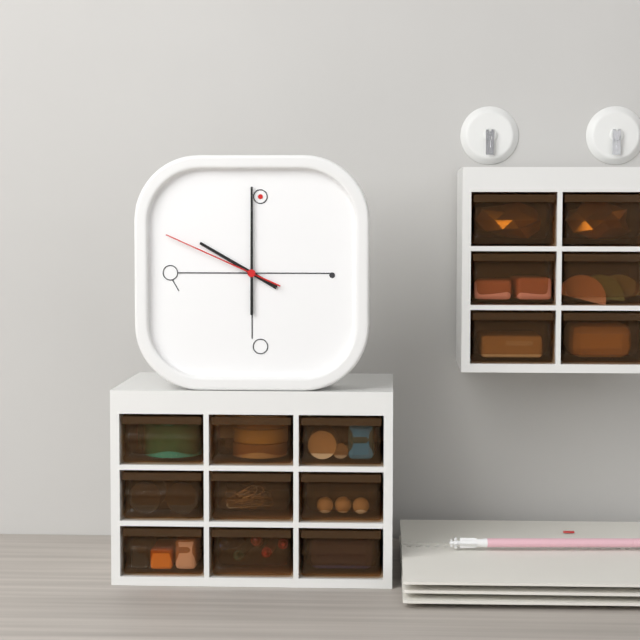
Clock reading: **10:00:49**
